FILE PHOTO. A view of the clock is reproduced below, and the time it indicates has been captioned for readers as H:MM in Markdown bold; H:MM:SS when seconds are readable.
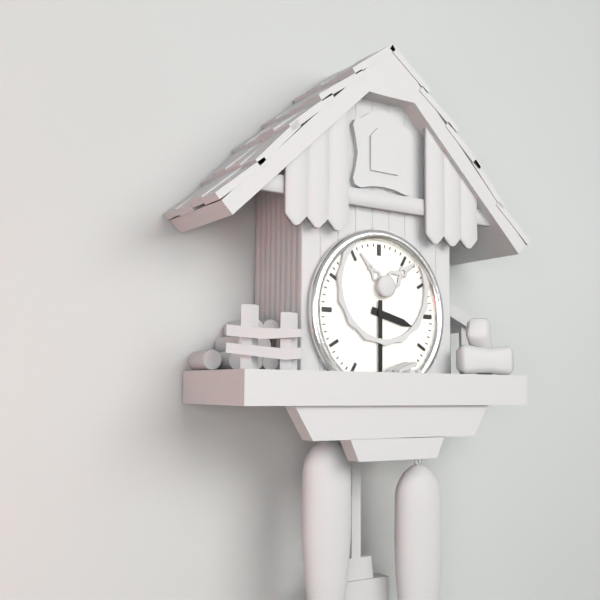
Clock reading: **3:30**
